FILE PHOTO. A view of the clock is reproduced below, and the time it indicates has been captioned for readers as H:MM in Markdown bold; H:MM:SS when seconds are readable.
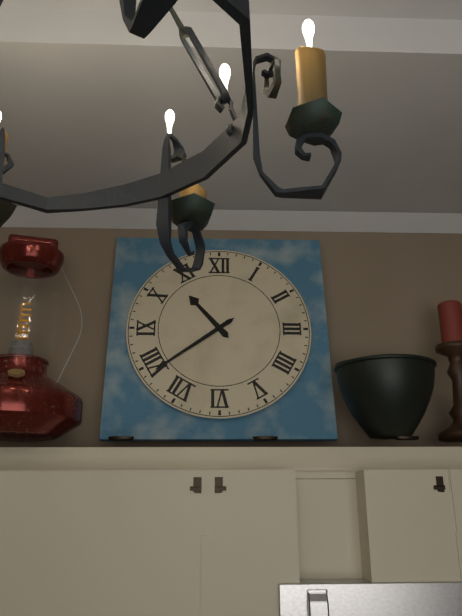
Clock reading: **10:39**
